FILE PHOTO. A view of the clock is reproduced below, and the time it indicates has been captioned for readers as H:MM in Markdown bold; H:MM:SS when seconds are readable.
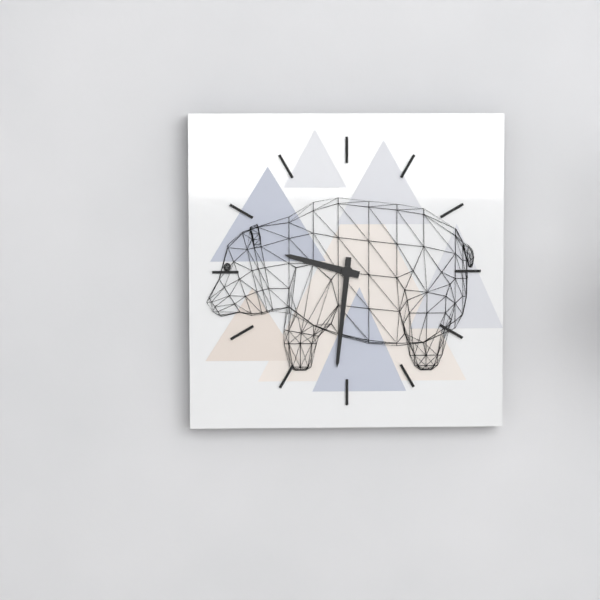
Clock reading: **9:31**
